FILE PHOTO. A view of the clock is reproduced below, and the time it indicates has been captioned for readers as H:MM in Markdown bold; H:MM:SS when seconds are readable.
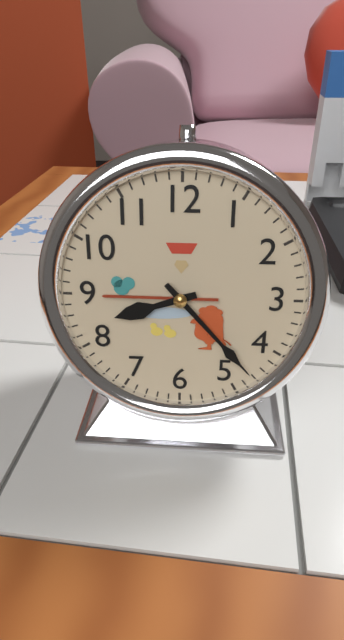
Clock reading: **8:23**
